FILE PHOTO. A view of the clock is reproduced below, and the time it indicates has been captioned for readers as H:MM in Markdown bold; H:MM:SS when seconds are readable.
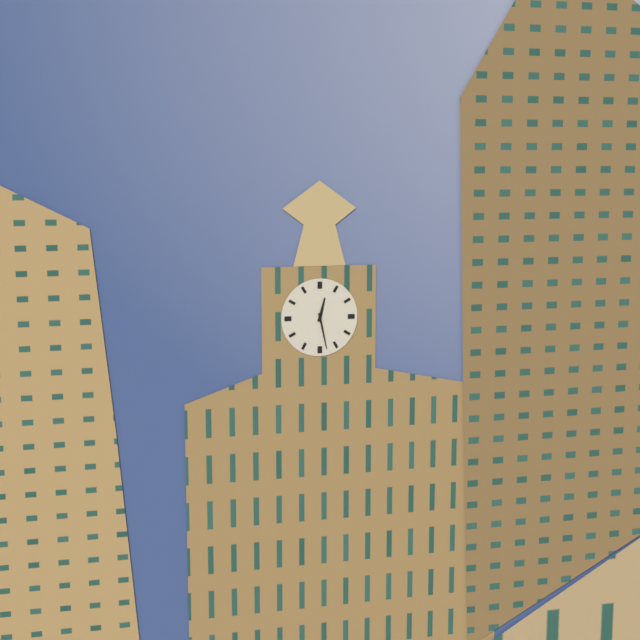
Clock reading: **12:28**
